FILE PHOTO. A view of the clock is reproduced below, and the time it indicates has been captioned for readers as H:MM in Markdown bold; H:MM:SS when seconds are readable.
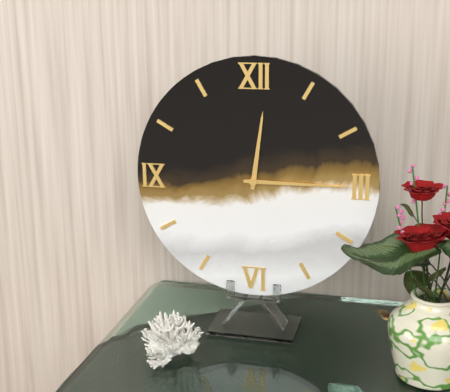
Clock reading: **12:15**
